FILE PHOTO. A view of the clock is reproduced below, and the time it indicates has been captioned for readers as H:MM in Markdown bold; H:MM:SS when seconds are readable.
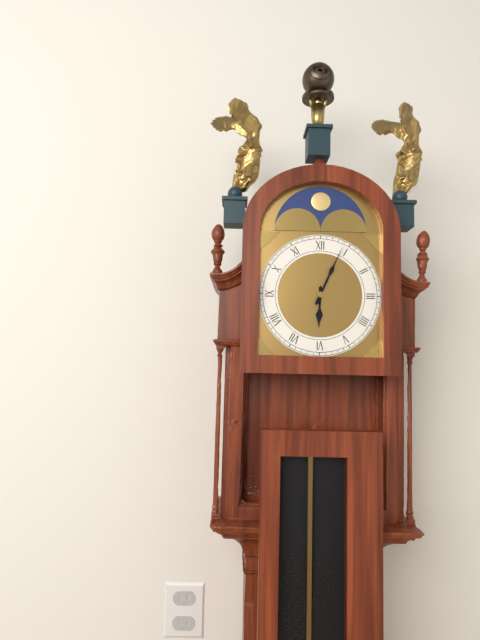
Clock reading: **6:04**
